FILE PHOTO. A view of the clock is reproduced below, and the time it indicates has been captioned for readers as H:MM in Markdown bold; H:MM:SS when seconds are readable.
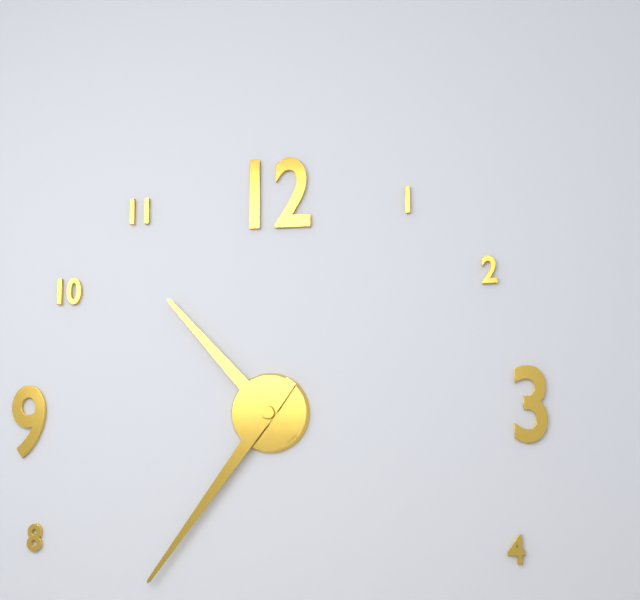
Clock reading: **10:36**
